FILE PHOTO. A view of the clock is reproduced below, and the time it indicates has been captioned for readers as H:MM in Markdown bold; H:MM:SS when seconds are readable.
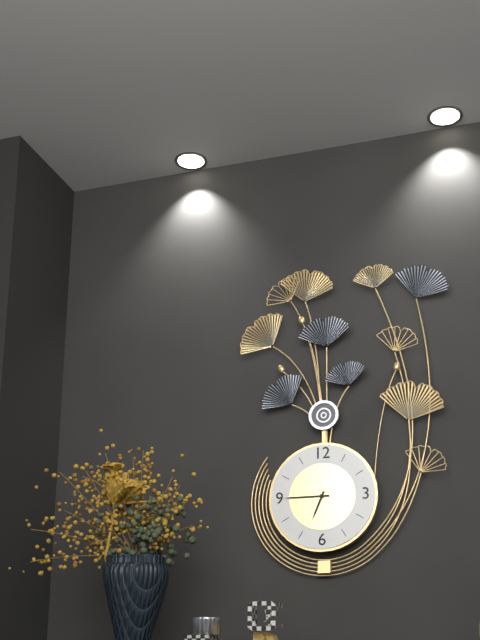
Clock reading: **6:45**
